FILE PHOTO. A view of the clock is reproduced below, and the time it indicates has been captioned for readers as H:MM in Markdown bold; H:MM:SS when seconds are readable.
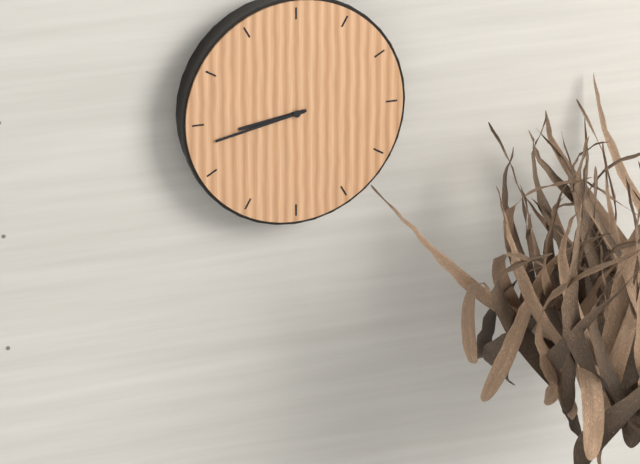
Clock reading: **8:43**
